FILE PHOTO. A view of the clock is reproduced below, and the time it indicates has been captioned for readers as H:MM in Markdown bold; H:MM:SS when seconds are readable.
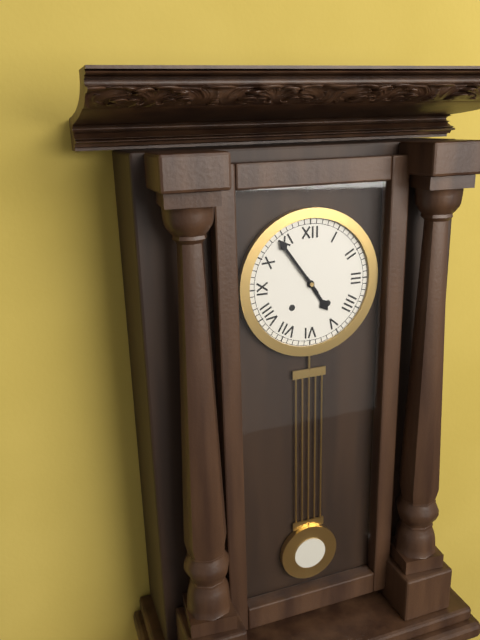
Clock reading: **4:54**
